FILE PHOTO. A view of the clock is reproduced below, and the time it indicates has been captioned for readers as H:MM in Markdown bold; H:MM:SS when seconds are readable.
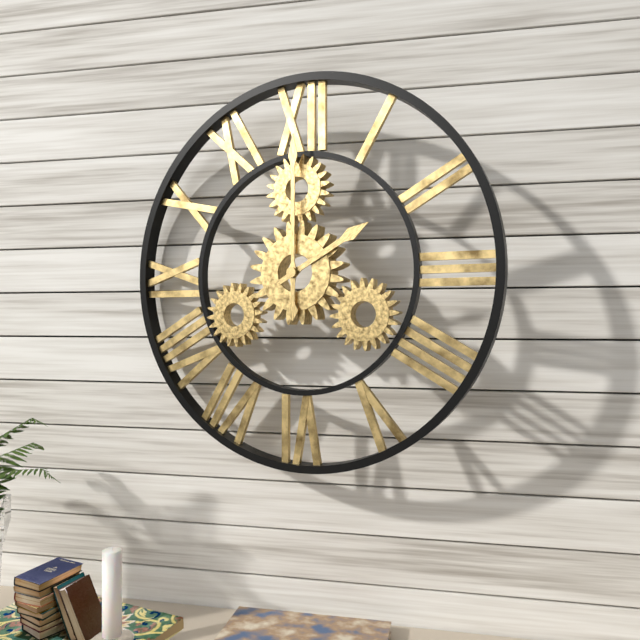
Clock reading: **2:00**
